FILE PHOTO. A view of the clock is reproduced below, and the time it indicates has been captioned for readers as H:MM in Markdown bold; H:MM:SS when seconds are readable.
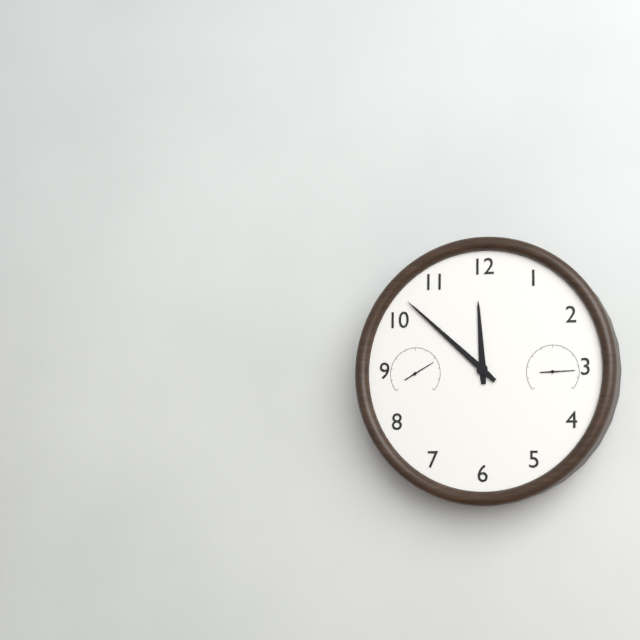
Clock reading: **11:52**
